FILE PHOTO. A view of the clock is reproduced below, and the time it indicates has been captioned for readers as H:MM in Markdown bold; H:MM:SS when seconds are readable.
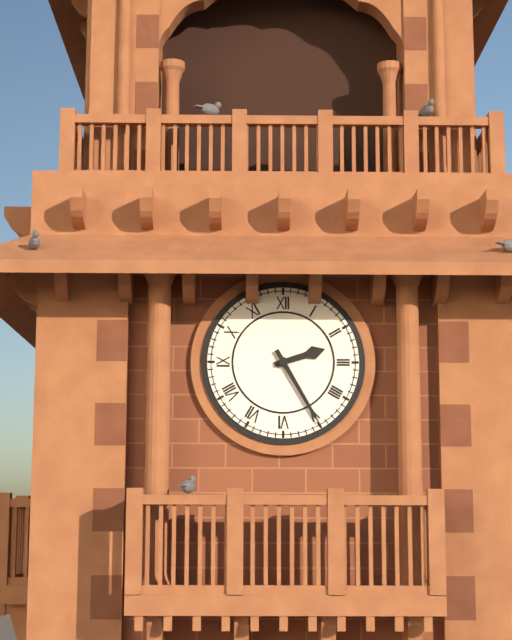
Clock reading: **2:25**
